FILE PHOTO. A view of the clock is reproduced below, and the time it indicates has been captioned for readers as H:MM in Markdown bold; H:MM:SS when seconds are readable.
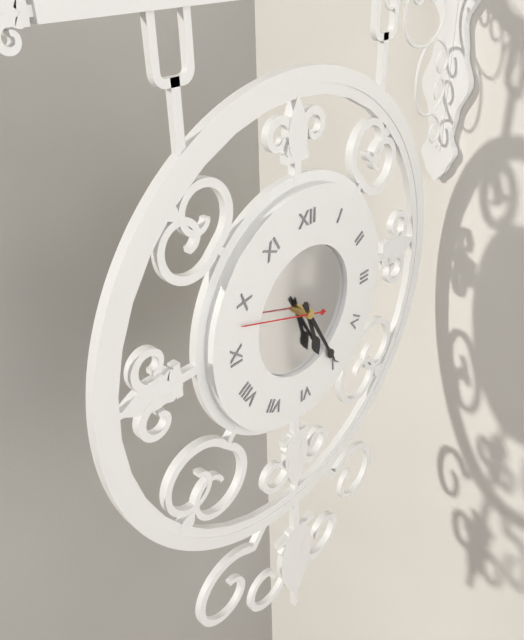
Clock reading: **5:25:48**
